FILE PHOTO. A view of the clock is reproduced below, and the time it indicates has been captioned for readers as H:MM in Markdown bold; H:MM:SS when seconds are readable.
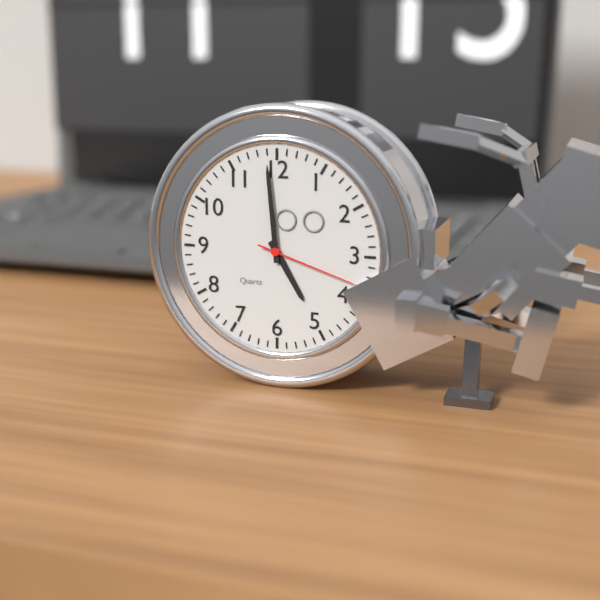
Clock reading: **4:59:18**
